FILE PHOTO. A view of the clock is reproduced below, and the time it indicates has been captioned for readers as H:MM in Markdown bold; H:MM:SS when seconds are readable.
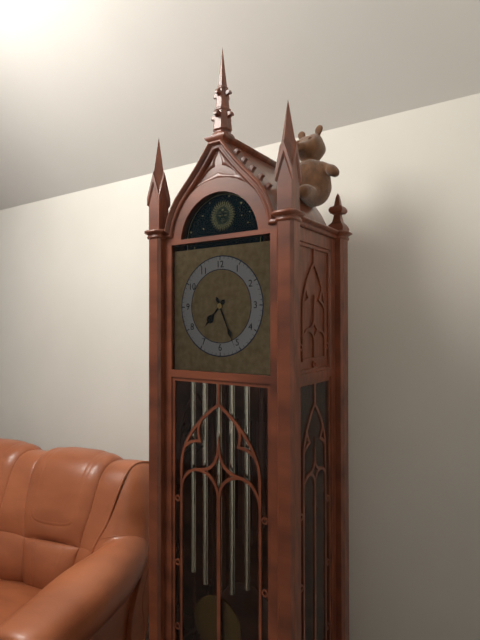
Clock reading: **7:26**
